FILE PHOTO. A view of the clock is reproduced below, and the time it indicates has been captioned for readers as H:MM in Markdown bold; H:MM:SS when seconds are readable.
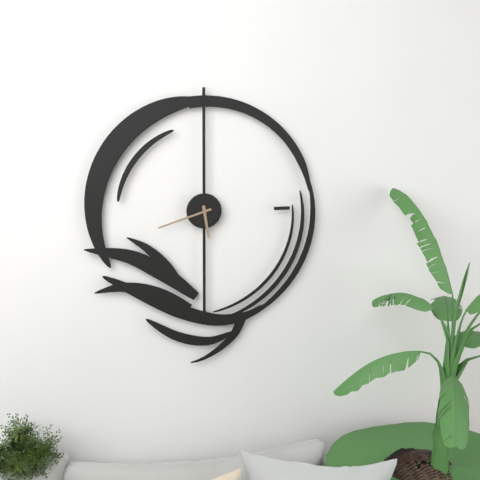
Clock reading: **5:42**
